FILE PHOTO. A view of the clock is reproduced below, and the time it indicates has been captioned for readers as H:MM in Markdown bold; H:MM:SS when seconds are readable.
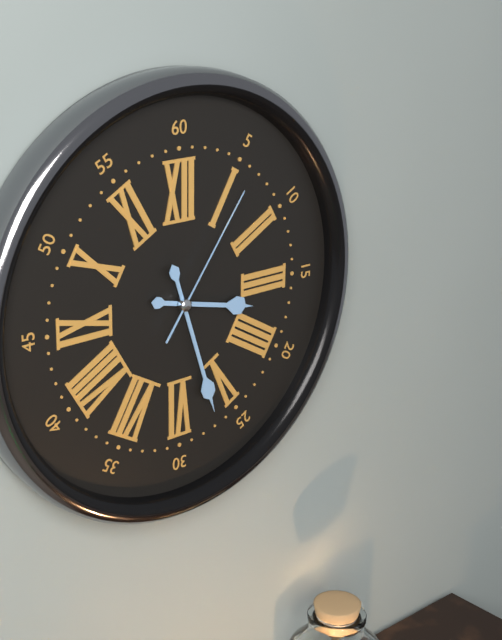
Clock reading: **3:27:06**
